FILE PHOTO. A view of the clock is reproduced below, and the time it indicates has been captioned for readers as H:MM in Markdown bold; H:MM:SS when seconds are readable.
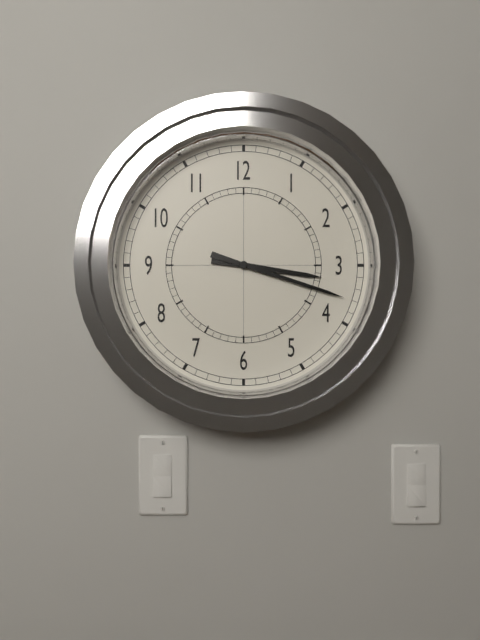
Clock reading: **3:18**
